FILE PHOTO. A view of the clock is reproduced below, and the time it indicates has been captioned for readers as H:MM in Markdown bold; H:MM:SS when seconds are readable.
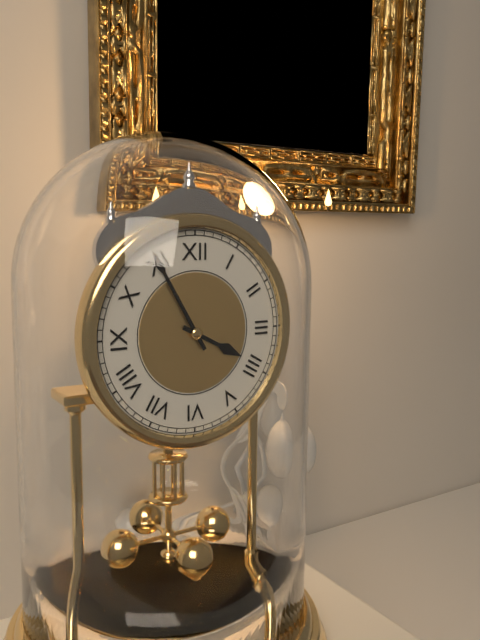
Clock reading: **3:55**
